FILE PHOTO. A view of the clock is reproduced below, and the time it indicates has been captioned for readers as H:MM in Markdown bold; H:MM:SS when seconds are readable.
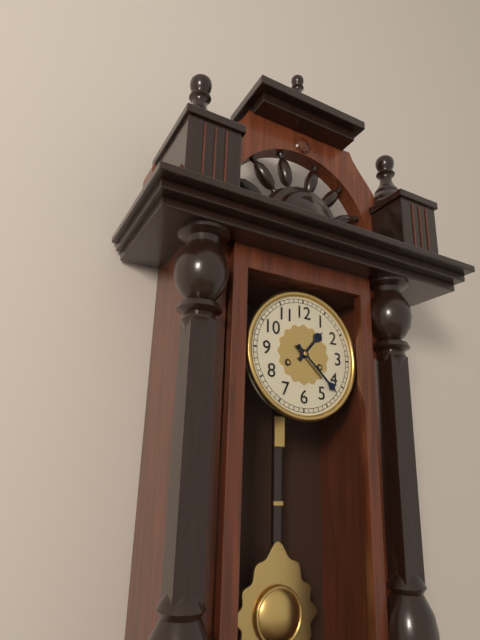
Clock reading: **1:22**
